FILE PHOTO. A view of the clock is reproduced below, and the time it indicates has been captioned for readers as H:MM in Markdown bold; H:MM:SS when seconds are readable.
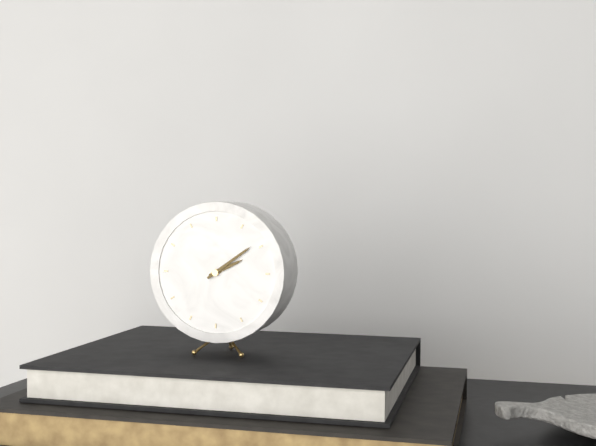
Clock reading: **2:09**
